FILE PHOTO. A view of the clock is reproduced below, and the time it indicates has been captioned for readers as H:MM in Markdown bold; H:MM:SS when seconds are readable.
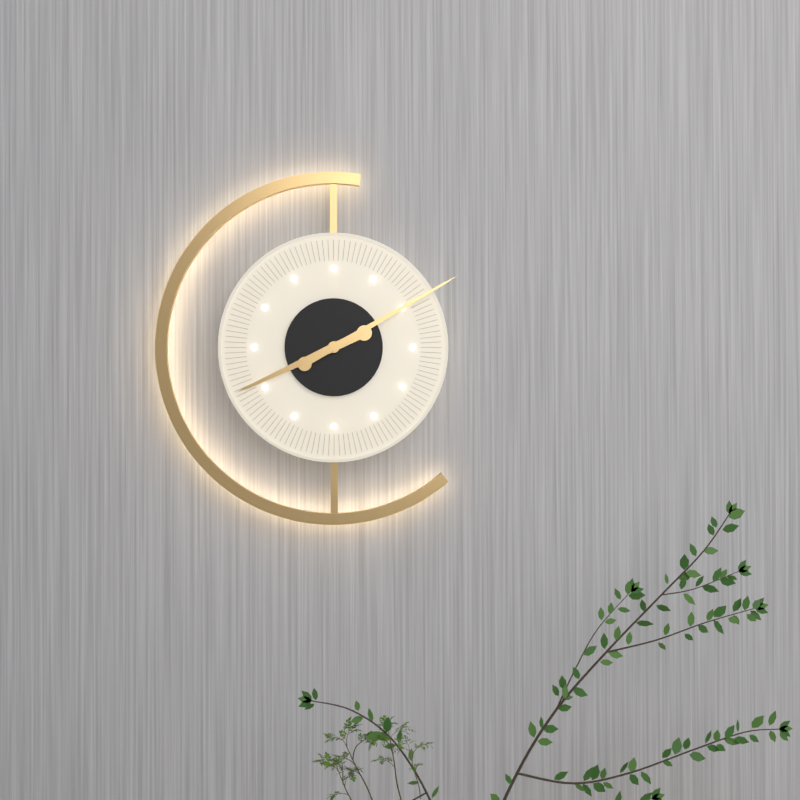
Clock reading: **8:10**
